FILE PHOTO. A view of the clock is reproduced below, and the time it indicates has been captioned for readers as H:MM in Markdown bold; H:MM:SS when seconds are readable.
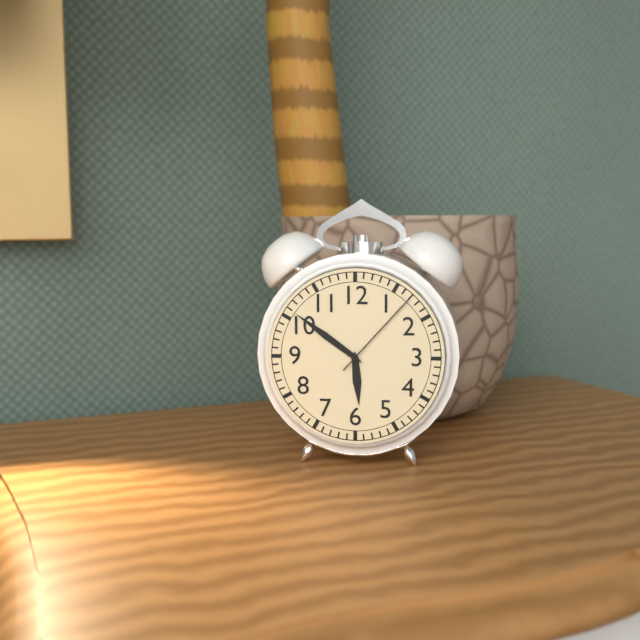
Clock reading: **5:51:07**
